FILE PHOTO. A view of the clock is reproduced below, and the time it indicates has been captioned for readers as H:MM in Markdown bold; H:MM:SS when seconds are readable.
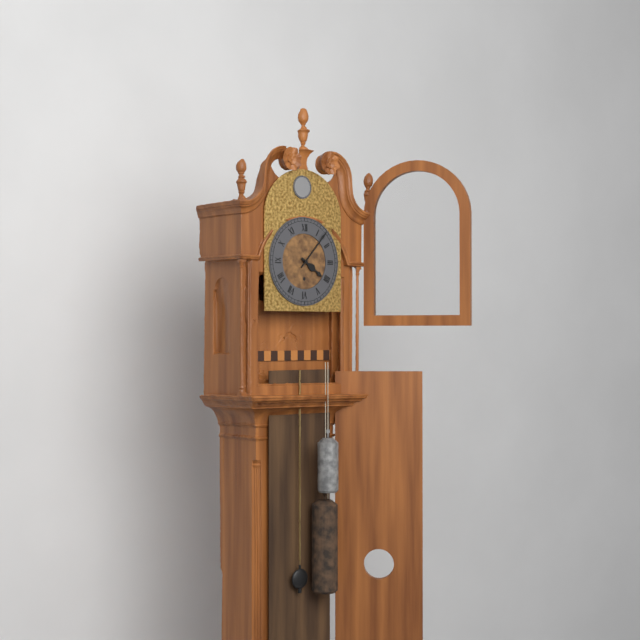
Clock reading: **4:07**
